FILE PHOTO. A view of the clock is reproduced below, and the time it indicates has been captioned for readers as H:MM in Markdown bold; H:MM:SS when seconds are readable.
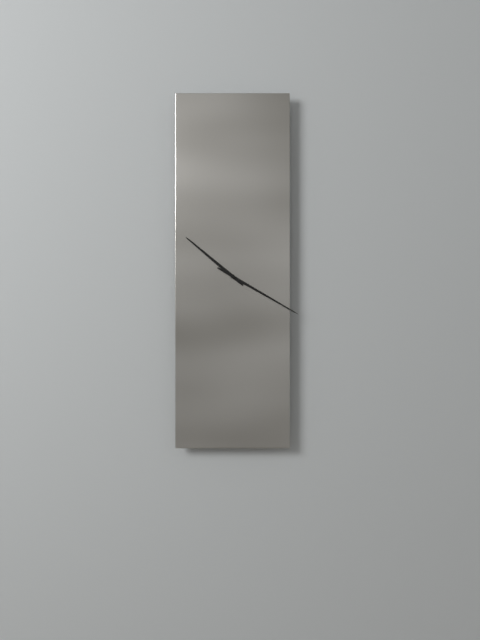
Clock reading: **10:20**
